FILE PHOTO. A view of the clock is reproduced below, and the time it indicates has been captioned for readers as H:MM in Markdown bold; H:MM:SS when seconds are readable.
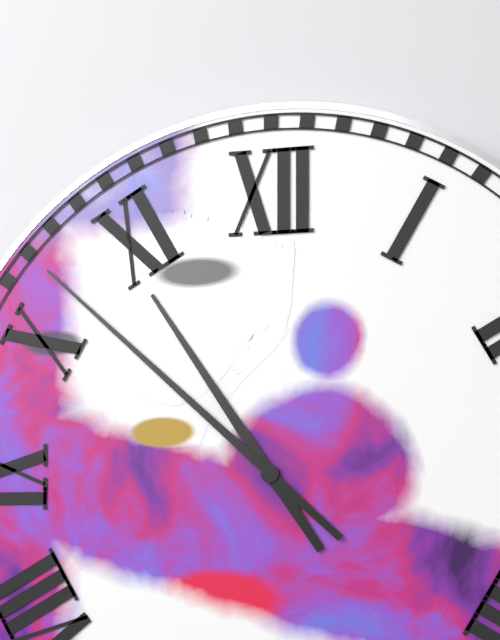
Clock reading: **10:52**
